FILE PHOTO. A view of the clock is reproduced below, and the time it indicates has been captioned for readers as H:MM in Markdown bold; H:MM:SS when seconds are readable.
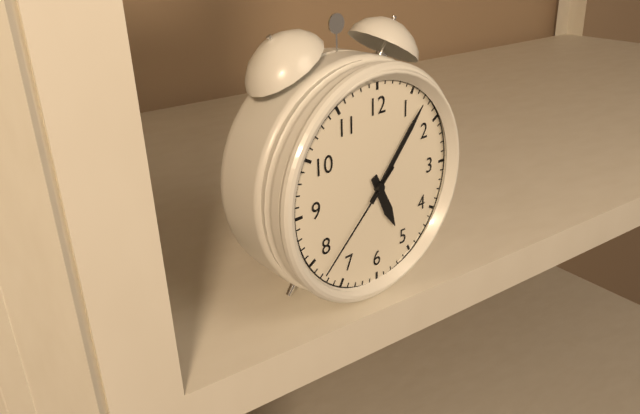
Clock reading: **5:07:38**
